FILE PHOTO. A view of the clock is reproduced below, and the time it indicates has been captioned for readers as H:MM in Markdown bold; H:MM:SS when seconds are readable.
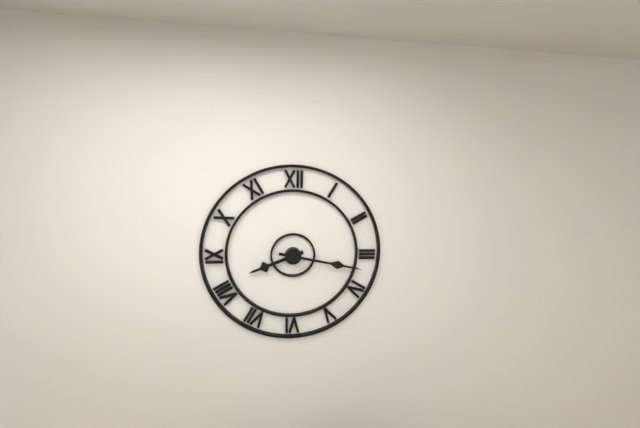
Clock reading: **8:17**
